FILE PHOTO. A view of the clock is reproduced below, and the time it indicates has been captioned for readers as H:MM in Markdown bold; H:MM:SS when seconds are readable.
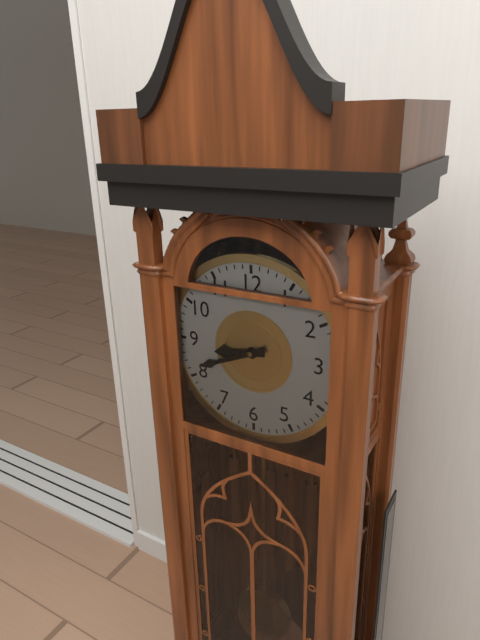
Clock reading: **8:41**
